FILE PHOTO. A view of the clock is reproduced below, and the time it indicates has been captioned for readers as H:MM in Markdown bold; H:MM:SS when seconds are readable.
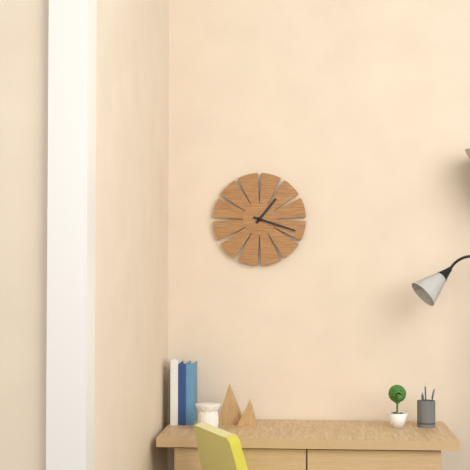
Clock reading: **1:18**
